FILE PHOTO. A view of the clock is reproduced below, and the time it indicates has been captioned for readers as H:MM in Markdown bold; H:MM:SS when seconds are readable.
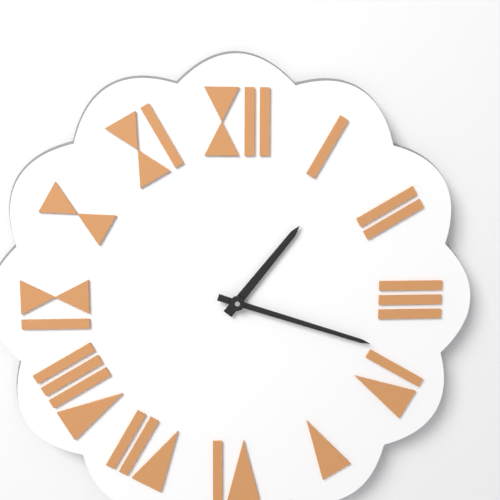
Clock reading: **1:18**
